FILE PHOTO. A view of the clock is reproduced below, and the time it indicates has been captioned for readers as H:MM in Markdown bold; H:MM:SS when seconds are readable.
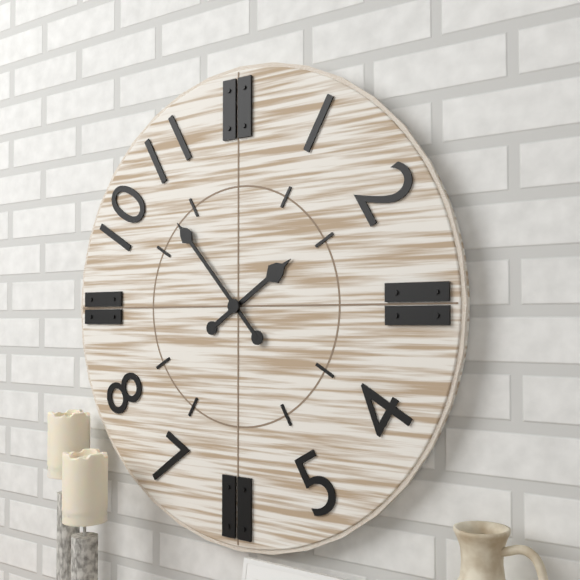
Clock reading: **1:53**
